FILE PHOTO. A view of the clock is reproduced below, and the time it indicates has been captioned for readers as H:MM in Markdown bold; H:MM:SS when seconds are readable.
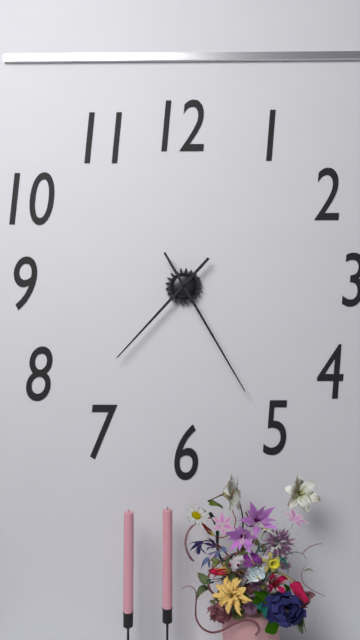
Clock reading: **7:25**
